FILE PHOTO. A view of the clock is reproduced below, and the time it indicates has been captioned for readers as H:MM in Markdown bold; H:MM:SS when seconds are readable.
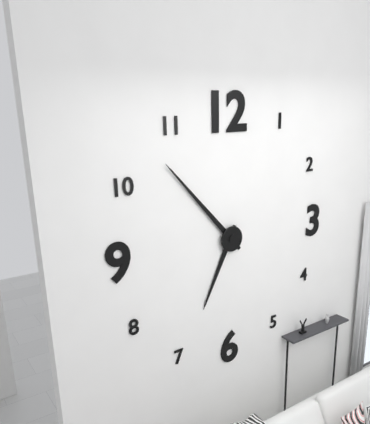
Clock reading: **6:53**
